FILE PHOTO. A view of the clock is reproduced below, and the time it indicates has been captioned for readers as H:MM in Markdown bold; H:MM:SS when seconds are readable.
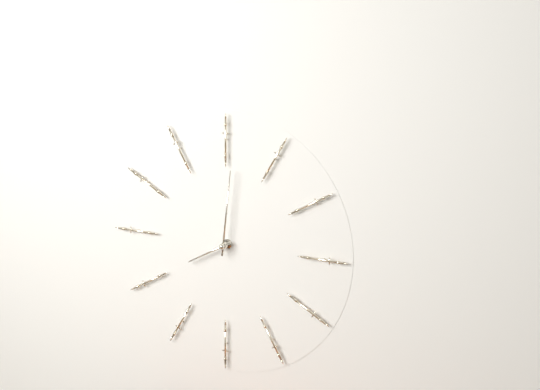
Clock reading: **8:01**
